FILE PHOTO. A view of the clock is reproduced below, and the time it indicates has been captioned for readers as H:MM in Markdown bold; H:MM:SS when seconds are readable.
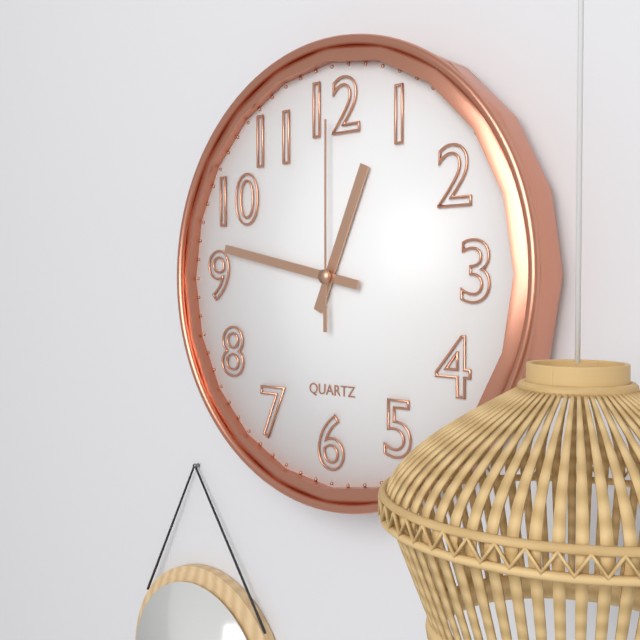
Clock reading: **12:47:00**
